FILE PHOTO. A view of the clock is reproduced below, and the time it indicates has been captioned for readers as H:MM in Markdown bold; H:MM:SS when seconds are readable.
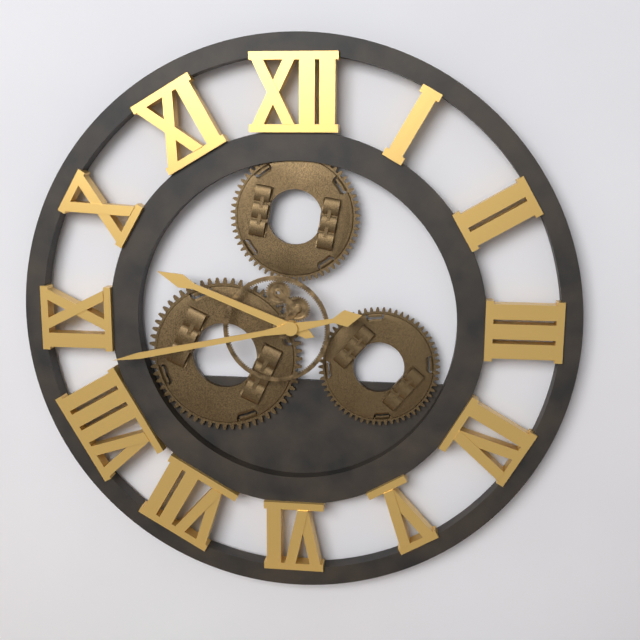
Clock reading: **9:43**
